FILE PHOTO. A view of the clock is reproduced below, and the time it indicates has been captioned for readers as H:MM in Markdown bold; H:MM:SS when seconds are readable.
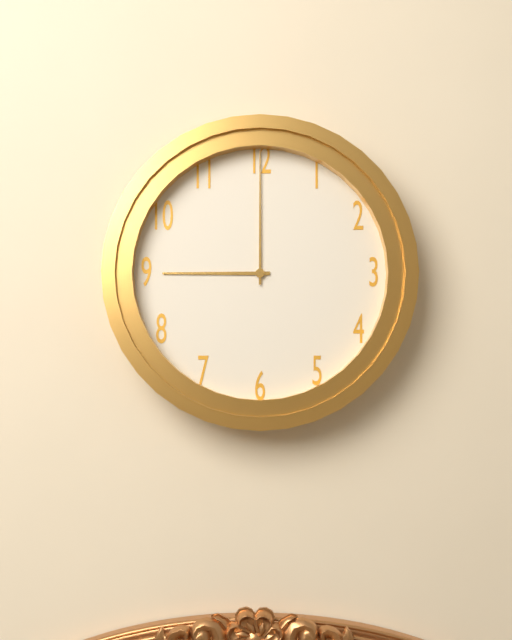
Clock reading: **9:00**
